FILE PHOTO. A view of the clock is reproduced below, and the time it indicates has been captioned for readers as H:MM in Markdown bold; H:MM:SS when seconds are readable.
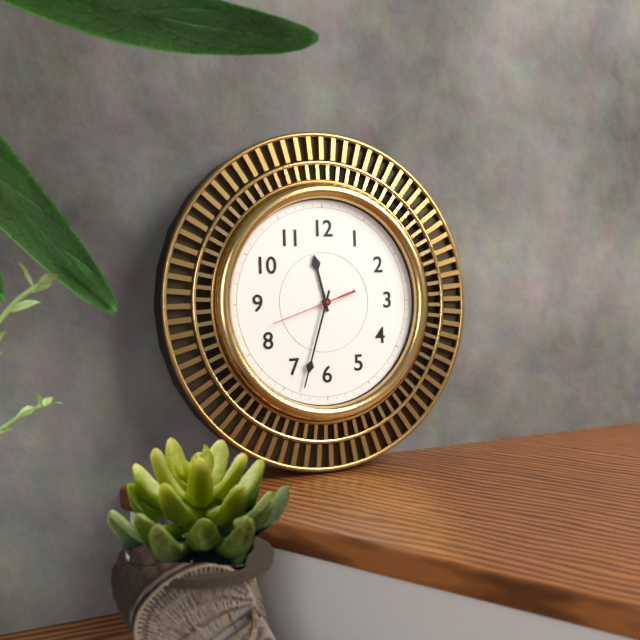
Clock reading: **11:33:42**
